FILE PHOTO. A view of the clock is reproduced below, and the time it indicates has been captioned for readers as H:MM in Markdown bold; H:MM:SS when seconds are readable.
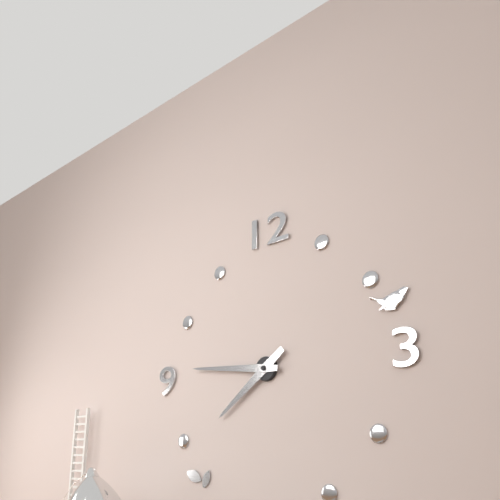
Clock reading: **7:46**
